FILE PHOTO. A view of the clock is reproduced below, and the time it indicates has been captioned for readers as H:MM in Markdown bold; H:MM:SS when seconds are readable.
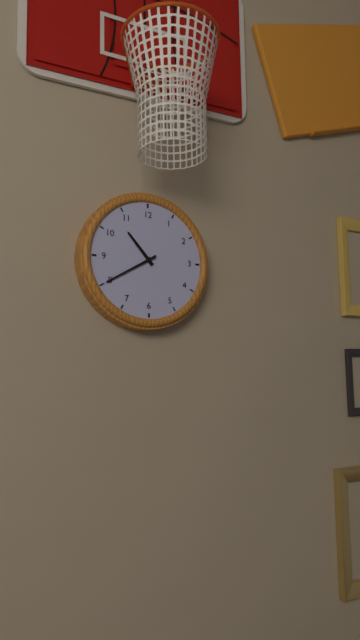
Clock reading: **10:40**
